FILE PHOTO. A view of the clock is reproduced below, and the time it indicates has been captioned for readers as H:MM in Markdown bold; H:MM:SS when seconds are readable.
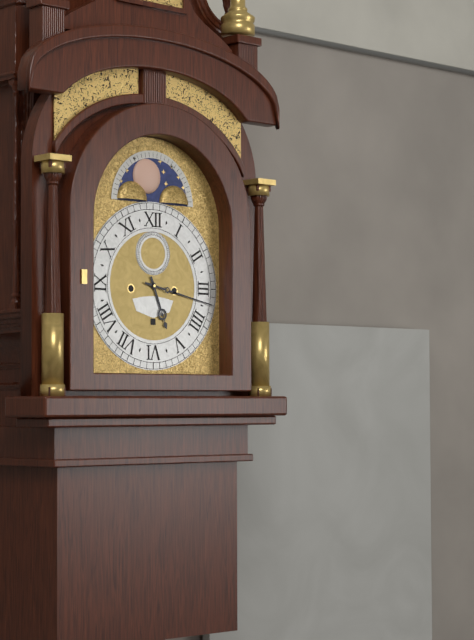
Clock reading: **5:17**
